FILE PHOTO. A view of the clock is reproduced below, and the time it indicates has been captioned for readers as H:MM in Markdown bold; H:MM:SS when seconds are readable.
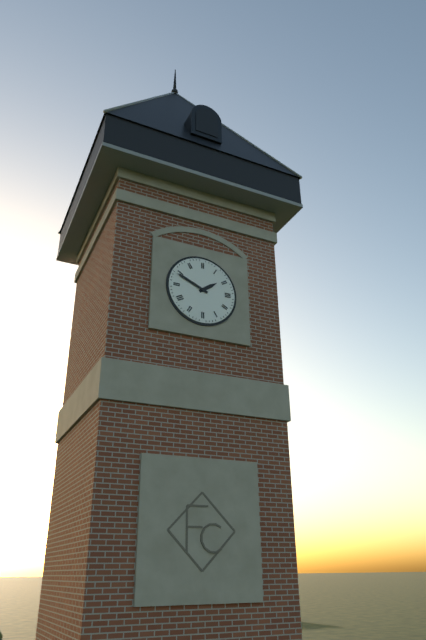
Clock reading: **1:49**
